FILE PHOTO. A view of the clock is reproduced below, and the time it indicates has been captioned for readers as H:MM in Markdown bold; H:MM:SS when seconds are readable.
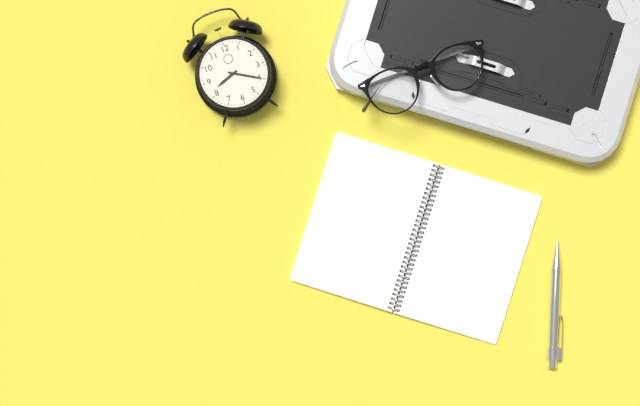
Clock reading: **8:20**
